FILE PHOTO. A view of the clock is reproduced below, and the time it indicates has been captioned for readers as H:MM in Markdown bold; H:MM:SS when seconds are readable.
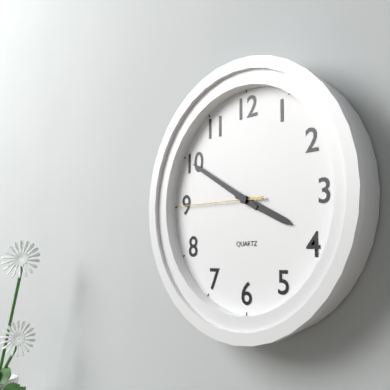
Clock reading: **3:50:45**
